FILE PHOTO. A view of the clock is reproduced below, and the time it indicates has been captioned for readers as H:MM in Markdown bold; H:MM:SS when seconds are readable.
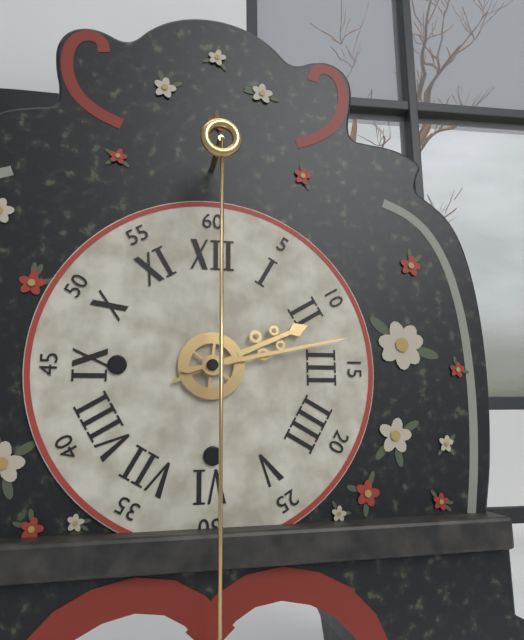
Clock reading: **2:13**
